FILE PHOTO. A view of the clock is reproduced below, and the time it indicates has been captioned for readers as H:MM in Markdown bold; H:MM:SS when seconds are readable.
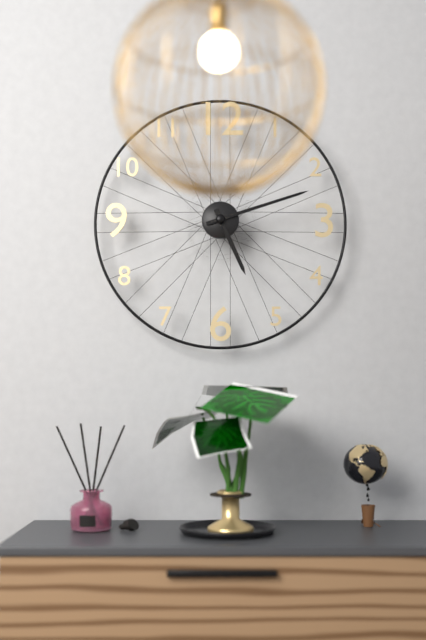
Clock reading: **5:12**
